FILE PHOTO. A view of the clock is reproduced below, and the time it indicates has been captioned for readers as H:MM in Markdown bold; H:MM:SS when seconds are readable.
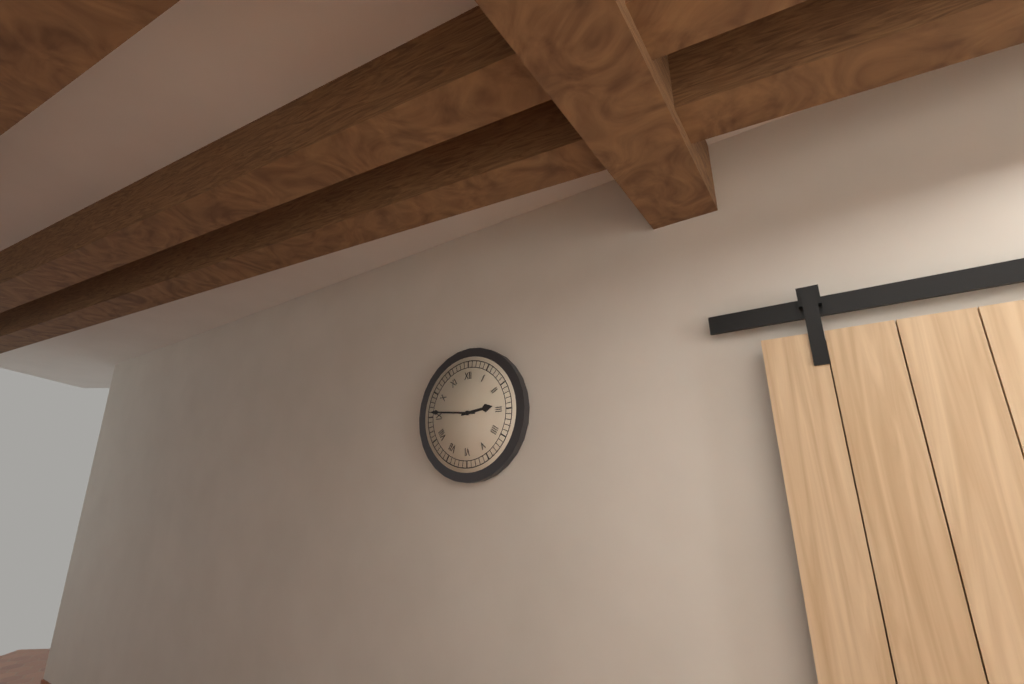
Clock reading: **2:46**
